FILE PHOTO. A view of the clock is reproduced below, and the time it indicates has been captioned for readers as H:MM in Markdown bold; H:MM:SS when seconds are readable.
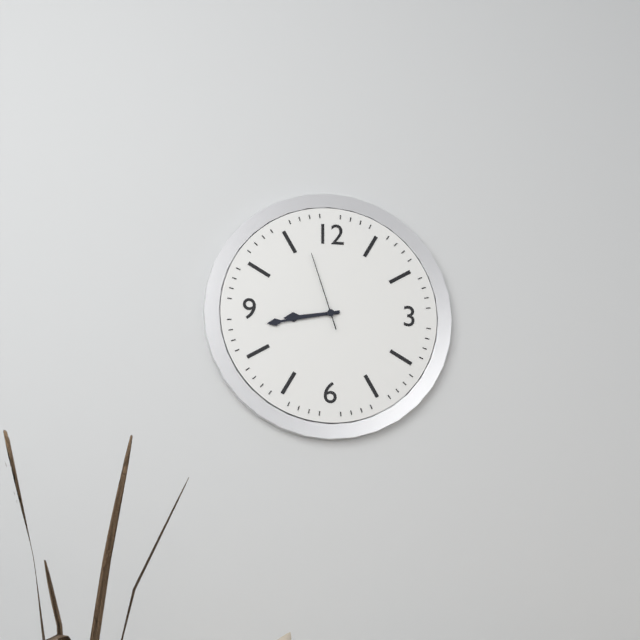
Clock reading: **8:43:57**
